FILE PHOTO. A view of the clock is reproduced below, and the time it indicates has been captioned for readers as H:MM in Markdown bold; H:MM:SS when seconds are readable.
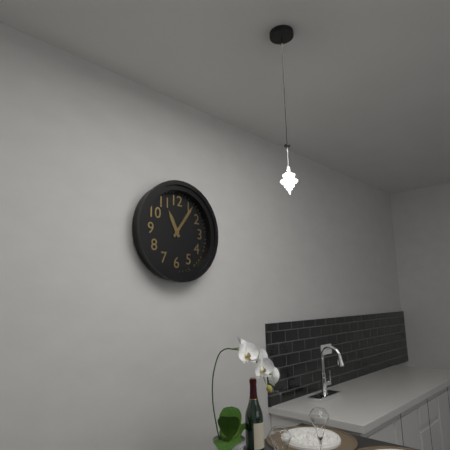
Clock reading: **11:06**
